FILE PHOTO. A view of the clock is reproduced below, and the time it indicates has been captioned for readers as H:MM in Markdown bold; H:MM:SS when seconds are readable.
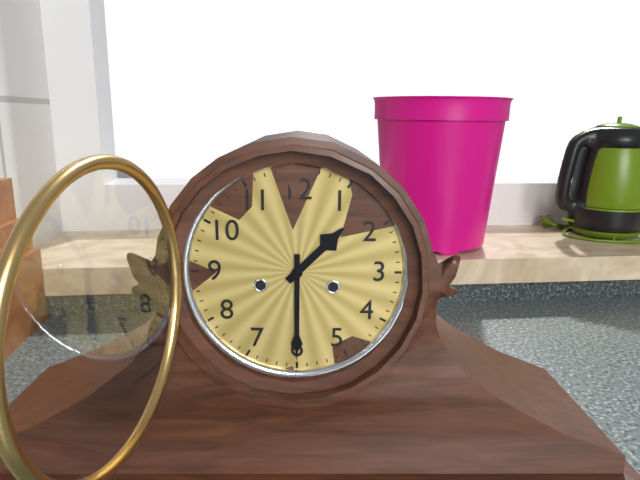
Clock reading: **1:30**
